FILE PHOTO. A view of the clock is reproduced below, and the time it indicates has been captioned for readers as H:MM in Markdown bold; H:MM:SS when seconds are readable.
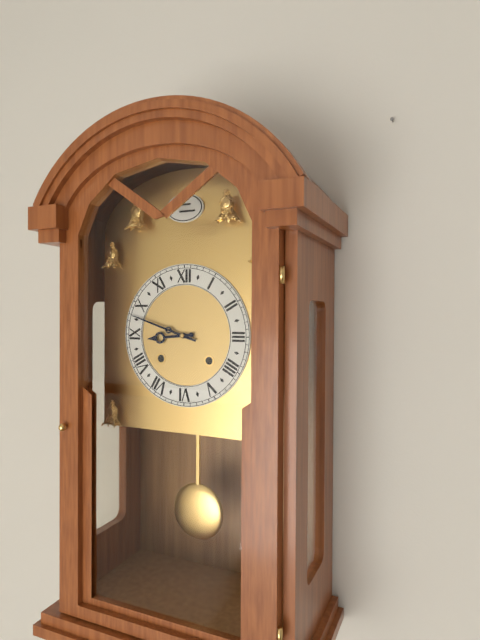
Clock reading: **8:48**
